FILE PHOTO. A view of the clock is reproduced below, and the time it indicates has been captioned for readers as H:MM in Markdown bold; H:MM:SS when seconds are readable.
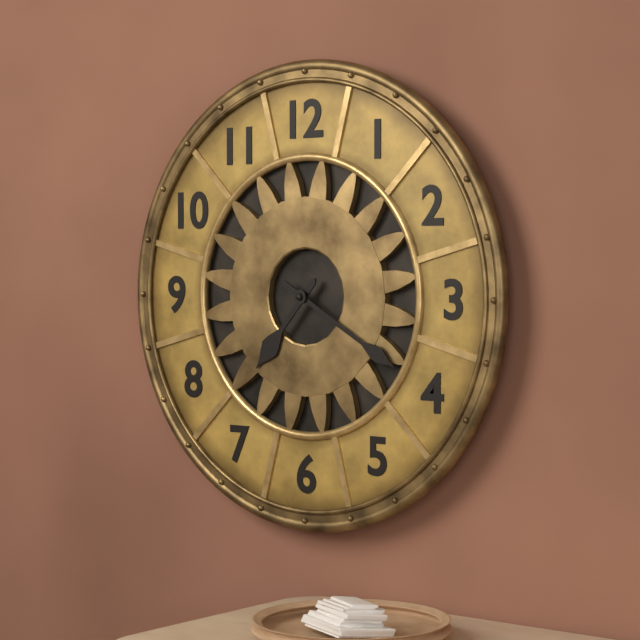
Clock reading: **7:20**
